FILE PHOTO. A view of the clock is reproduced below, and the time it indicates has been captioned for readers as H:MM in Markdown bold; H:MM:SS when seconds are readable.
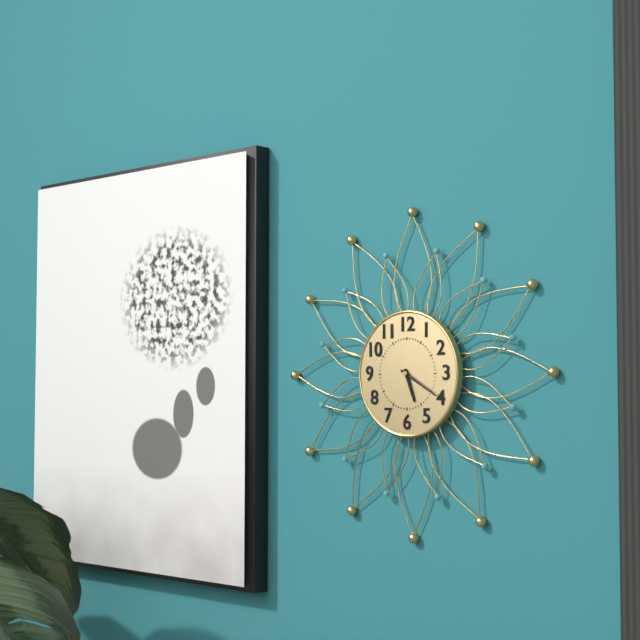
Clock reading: **5:20**
